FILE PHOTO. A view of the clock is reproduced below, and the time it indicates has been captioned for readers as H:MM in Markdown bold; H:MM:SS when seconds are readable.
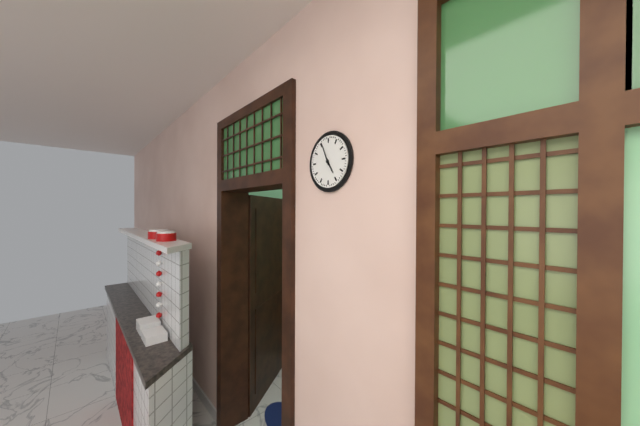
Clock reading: **4:56**
